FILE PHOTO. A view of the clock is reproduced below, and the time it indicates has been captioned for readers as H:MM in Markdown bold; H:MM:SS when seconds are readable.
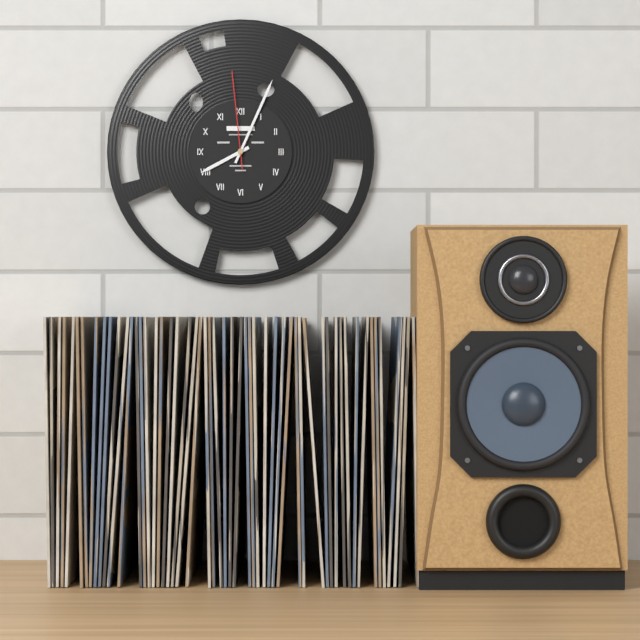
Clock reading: **8:04:59**
